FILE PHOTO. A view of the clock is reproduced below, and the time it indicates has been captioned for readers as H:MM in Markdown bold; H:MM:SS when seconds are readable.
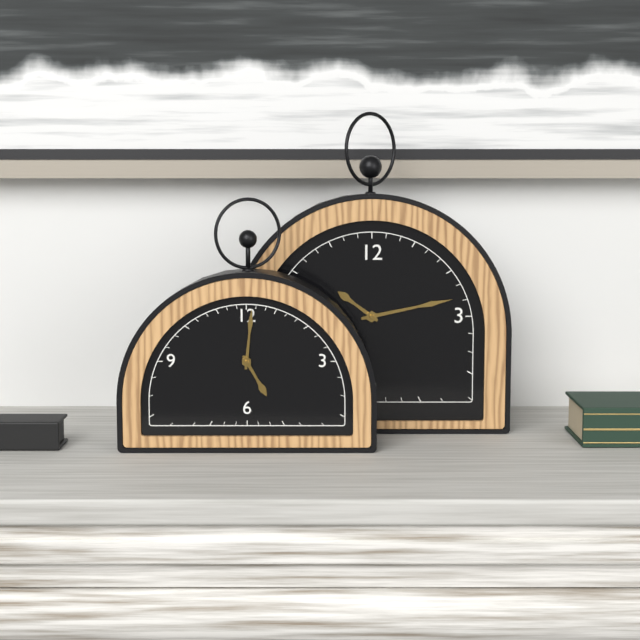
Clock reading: **5:01**
